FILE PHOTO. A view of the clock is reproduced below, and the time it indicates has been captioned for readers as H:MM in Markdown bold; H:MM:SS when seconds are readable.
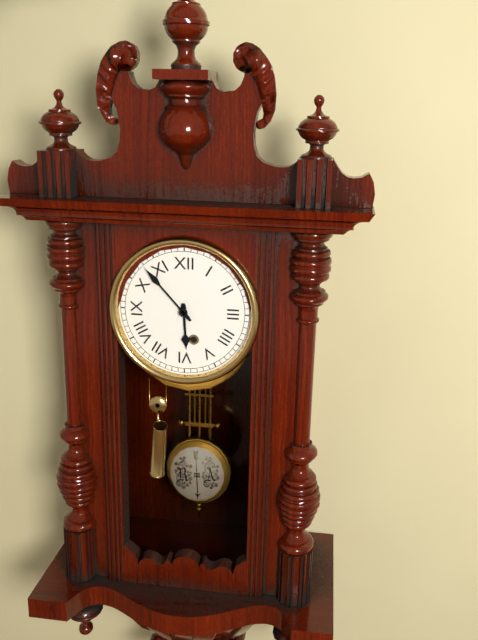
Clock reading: **5:53**
